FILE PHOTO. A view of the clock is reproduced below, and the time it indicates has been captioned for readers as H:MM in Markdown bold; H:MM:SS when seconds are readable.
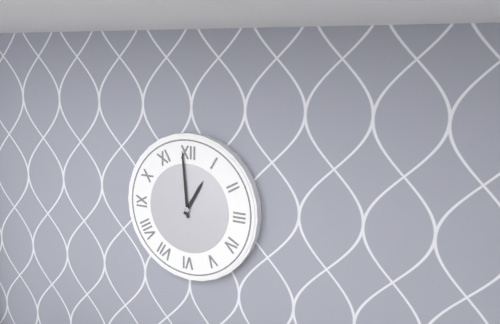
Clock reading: **12:59**
